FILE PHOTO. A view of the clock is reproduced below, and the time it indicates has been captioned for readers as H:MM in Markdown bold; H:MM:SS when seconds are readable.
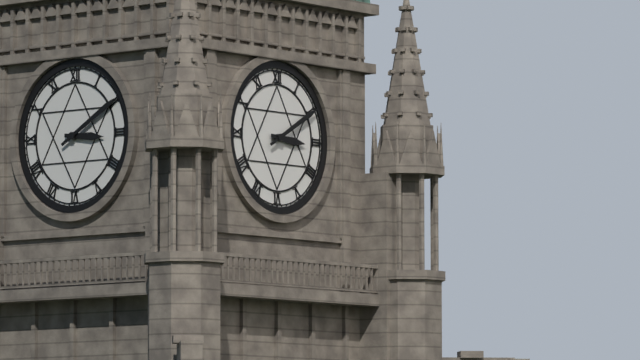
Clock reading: **3:10**
